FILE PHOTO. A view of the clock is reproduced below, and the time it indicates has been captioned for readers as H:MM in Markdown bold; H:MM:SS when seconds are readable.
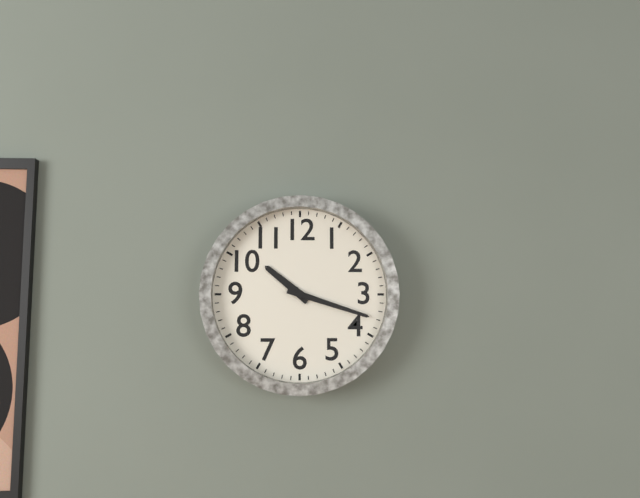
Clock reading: **10:18**
